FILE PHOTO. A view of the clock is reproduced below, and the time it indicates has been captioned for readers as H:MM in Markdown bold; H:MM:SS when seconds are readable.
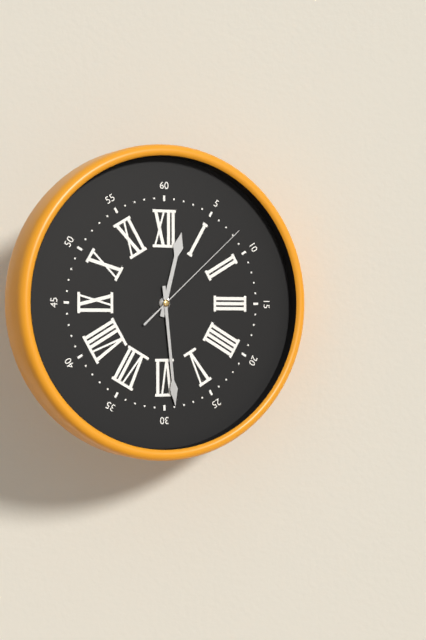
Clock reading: **12:29:08**
